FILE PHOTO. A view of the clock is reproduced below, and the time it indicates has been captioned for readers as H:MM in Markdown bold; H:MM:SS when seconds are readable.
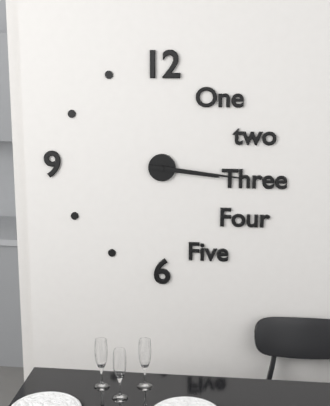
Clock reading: **3:16**
